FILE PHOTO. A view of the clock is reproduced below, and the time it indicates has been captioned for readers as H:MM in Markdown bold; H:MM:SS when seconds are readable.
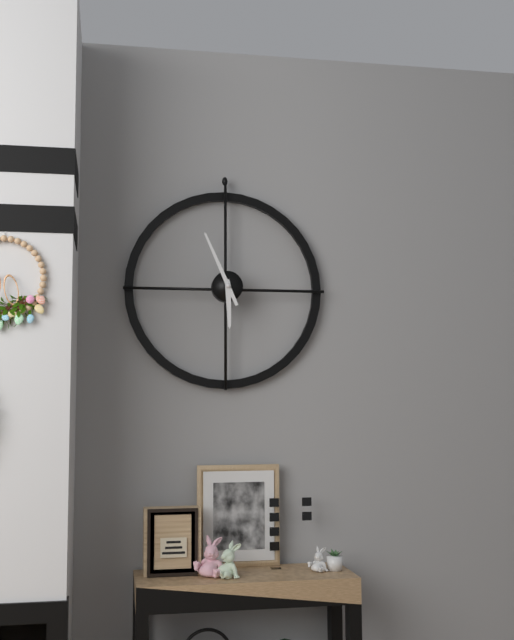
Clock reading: **5:56**
